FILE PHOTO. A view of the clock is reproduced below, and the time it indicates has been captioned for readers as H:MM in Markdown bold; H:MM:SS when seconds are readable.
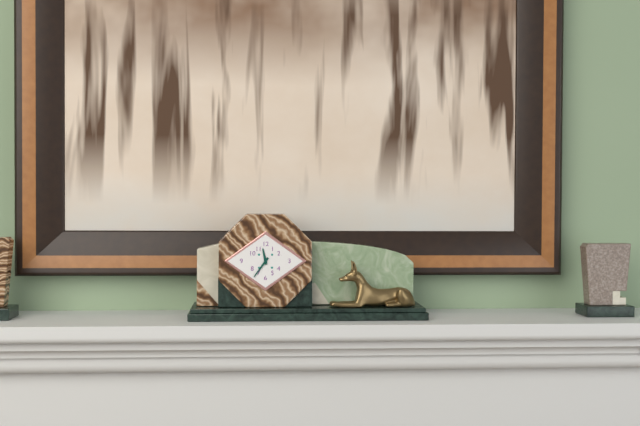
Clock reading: **11:36**
